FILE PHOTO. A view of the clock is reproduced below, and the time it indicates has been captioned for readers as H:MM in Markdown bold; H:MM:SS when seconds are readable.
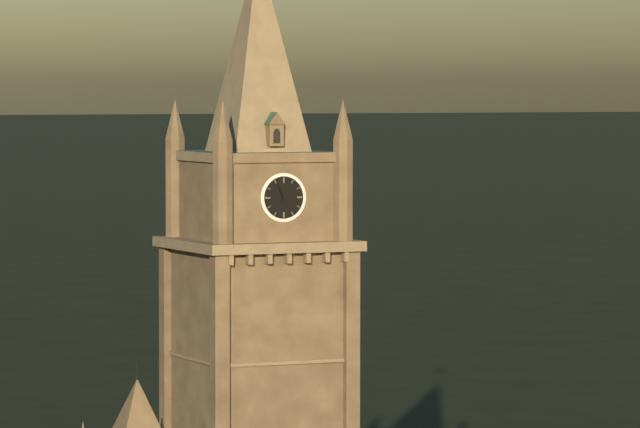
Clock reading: **6:56**
